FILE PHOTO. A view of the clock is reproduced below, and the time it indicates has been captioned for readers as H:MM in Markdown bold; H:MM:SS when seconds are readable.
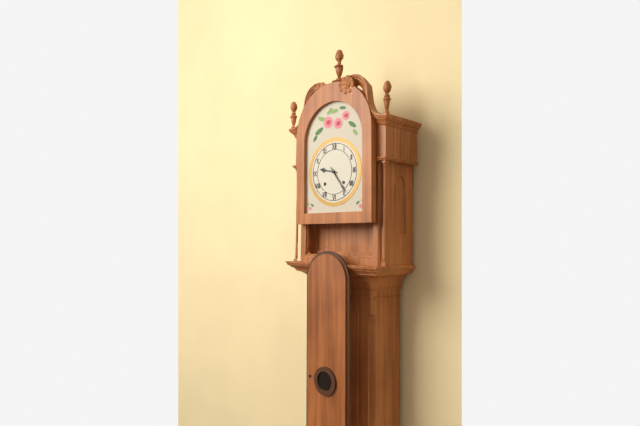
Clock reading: **9:24**
